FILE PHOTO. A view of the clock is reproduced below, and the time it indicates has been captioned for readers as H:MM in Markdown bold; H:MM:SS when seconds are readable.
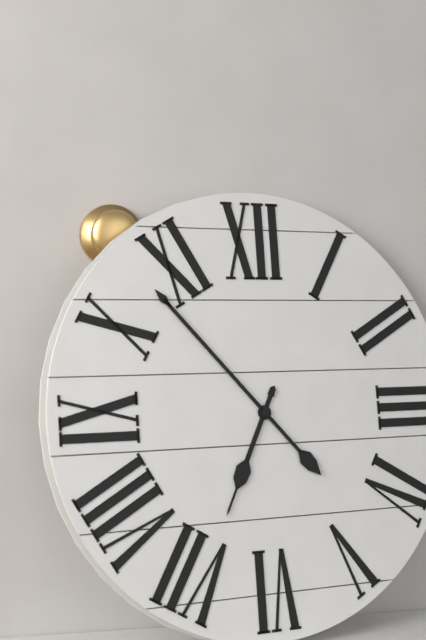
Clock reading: **6:53**
